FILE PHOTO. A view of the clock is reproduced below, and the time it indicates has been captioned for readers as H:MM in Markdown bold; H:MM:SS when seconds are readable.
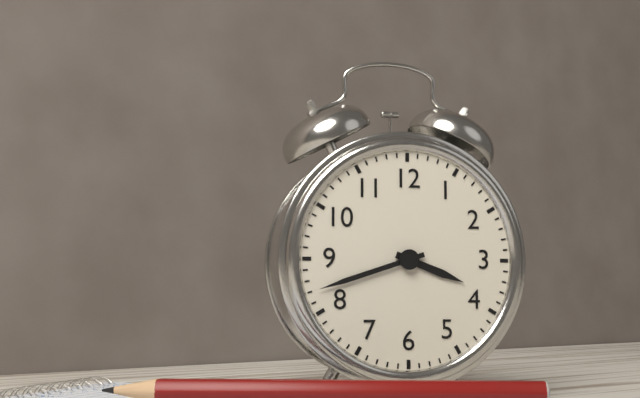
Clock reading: **3:42**
